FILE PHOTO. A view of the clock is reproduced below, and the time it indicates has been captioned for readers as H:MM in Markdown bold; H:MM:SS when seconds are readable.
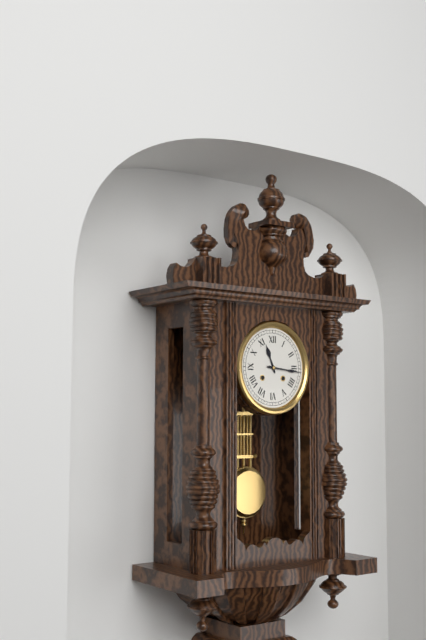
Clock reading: **11:16**
